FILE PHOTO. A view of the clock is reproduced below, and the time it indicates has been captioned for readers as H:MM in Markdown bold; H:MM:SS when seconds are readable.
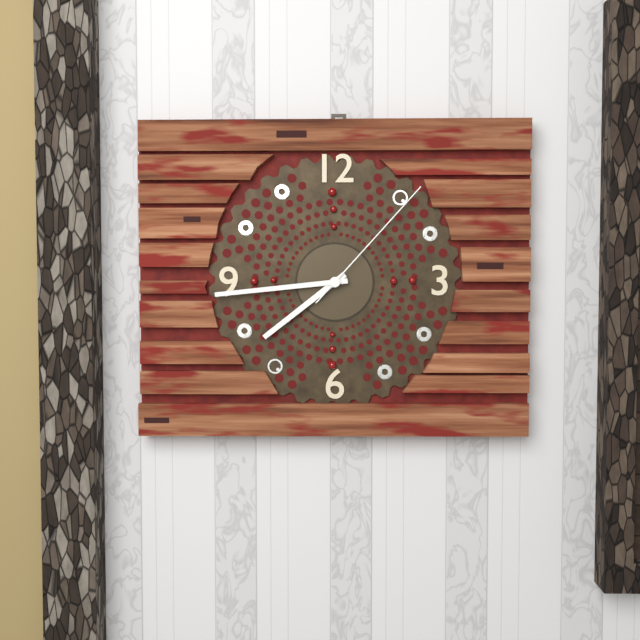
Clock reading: **7:44:07**
